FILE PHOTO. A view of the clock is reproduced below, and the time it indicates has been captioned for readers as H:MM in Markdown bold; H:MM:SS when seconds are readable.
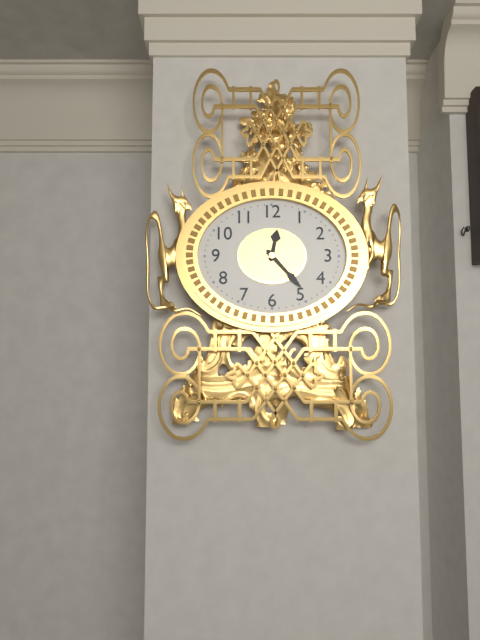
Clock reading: **12:23**
